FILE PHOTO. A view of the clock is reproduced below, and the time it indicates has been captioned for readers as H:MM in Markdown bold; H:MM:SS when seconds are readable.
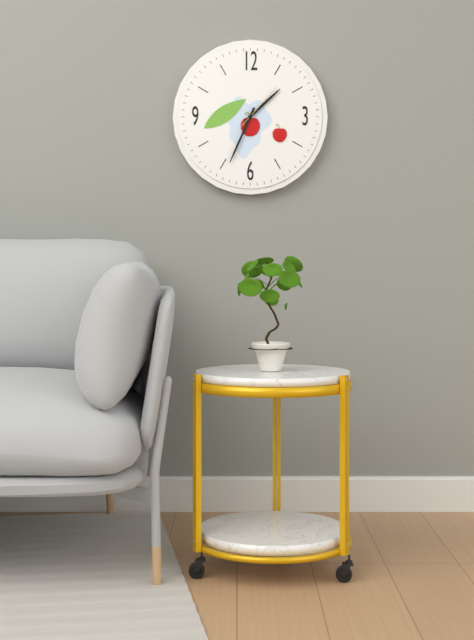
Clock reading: **1:34**
